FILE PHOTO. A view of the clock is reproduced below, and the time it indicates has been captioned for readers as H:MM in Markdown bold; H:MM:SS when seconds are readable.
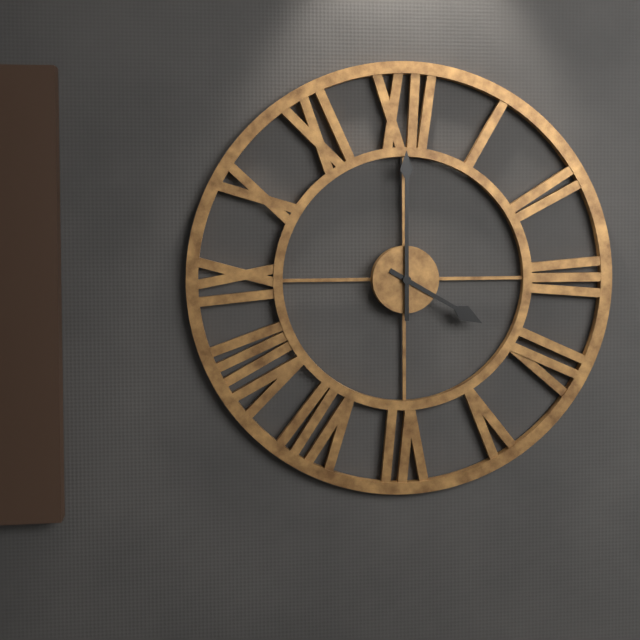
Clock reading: **4:00**
